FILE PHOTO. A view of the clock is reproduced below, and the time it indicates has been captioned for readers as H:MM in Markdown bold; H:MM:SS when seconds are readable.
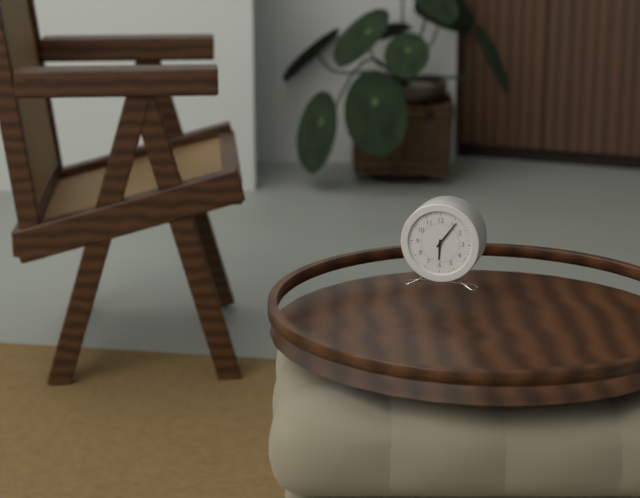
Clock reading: **6:06**
